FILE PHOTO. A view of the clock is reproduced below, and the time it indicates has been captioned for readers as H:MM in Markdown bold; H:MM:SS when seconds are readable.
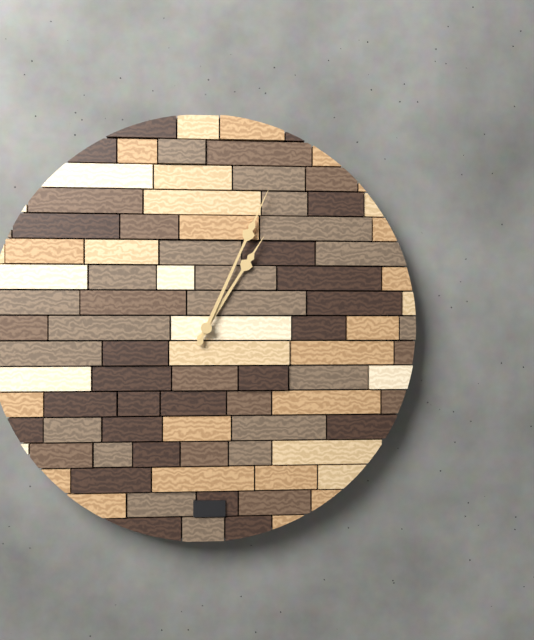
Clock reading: **1:04**
